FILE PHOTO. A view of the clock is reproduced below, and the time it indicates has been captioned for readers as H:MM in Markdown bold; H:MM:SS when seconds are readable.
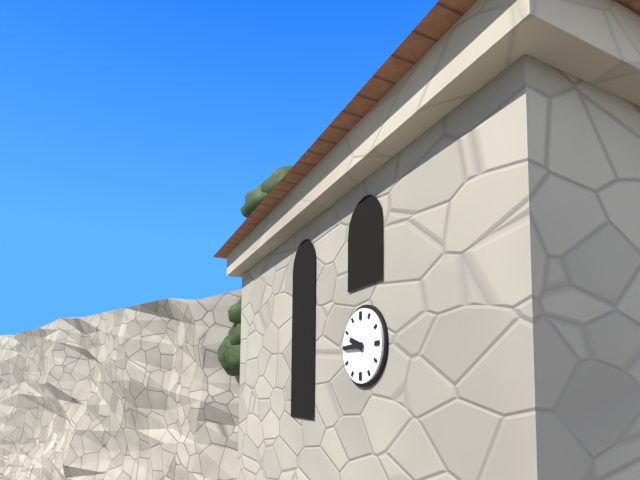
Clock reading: **9:45**
